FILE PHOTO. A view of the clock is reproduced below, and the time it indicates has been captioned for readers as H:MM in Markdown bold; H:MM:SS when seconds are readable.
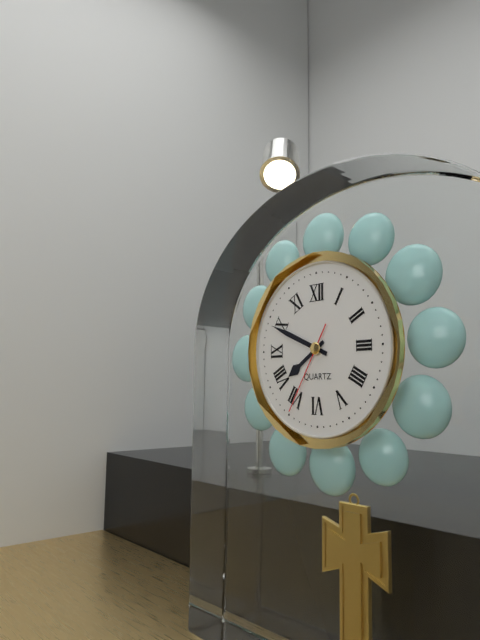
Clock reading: **7:49:35**
